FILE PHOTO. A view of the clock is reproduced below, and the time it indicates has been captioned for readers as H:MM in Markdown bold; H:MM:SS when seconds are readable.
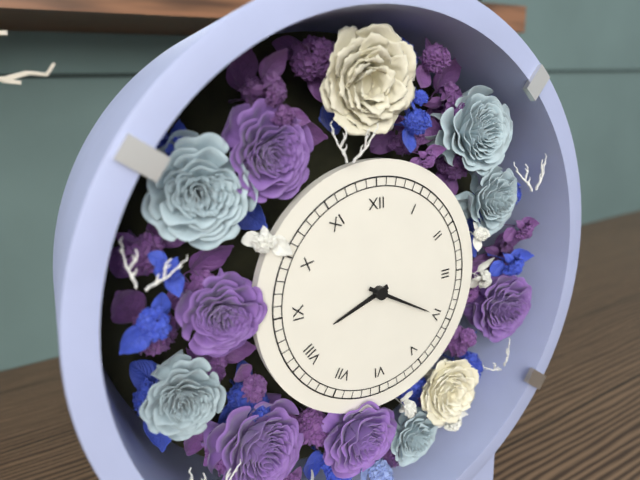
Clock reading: **8:20**
